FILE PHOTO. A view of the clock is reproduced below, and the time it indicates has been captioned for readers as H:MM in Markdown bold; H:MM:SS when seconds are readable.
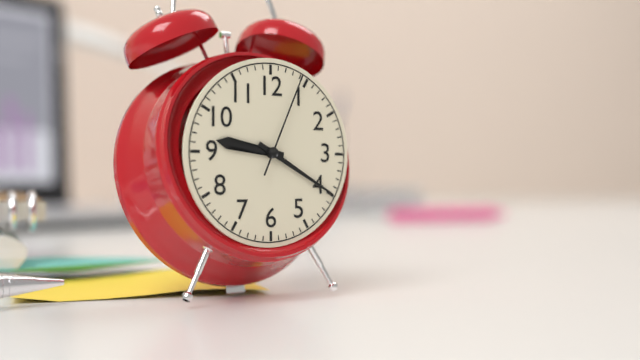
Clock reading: **9:20:04**
